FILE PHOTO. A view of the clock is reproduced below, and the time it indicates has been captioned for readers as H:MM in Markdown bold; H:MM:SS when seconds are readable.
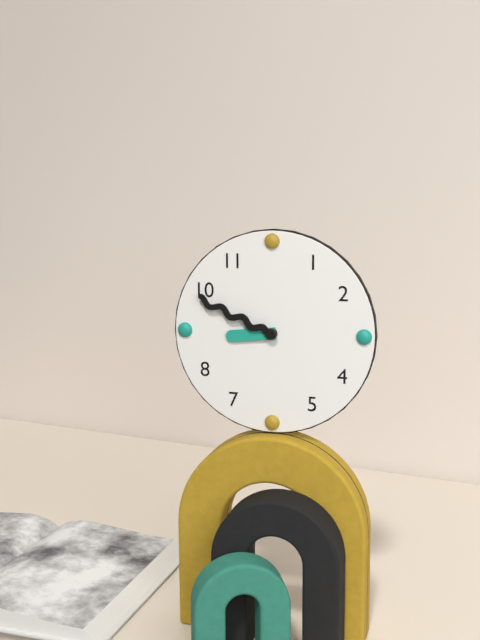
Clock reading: **8:49**
